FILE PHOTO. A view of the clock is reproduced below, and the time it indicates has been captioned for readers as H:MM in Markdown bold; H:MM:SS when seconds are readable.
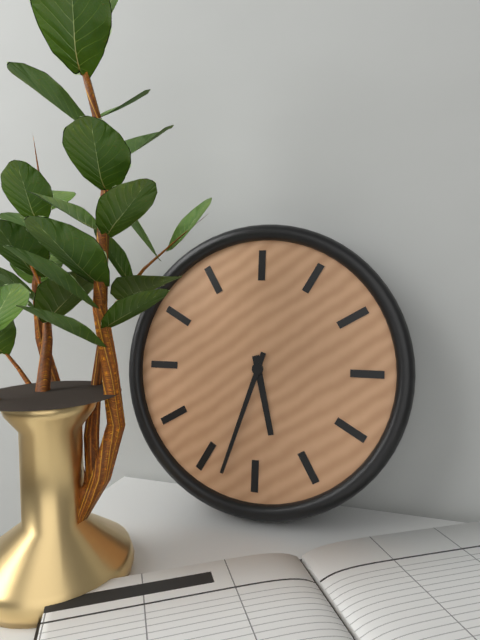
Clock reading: **5:33**
